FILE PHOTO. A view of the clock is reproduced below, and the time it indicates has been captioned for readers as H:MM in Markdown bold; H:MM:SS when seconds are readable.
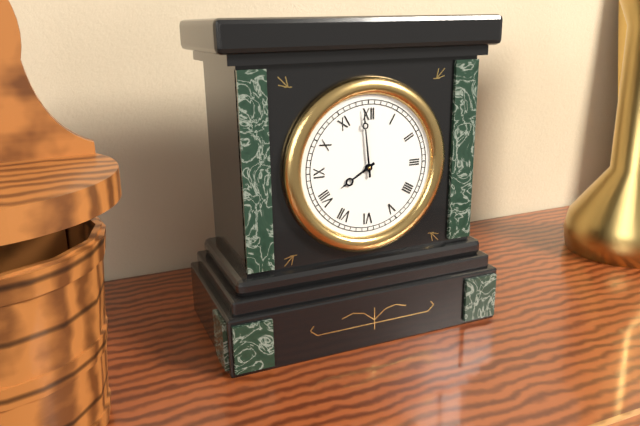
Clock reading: **7:59**
